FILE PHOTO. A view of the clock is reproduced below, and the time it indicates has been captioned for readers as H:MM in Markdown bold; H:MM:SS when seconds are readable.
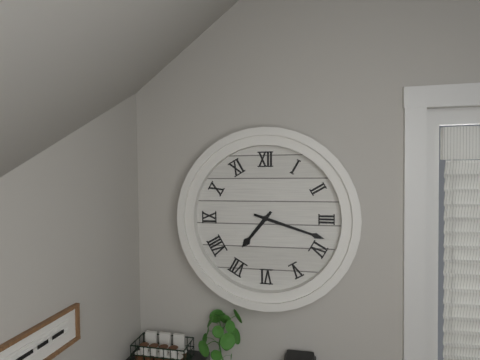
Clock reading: **7:18**
